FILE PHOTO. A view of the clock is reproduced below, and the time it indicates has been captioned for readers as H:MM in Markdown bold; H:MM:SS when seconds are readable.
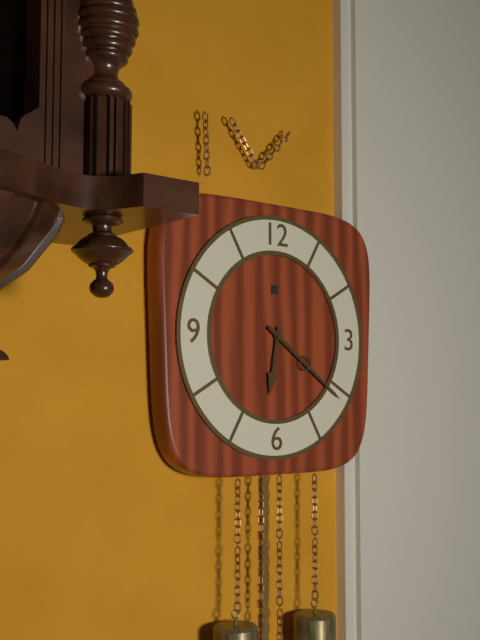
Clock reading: **6:21**
